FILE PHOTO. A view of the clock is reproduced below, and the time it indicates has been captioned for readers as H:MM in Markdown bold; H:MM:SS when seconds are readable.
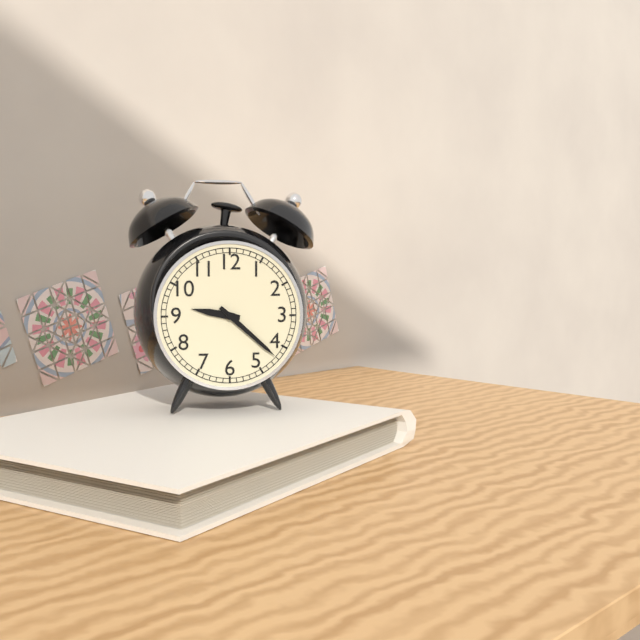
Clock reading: **9:22**
